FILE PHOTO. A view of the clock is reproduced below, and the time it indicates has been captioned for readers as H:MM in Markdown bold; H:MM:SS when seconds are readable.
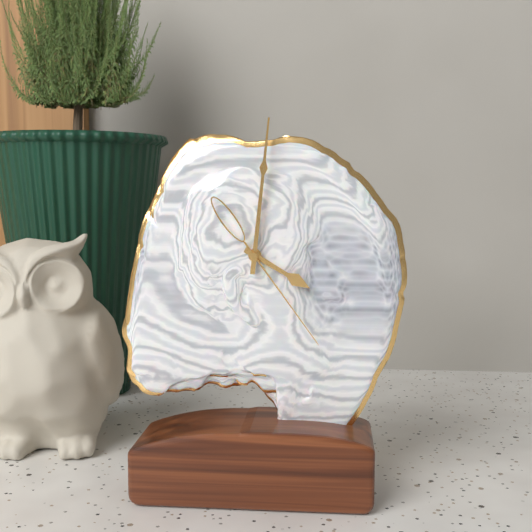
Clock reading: **4:01:24**
